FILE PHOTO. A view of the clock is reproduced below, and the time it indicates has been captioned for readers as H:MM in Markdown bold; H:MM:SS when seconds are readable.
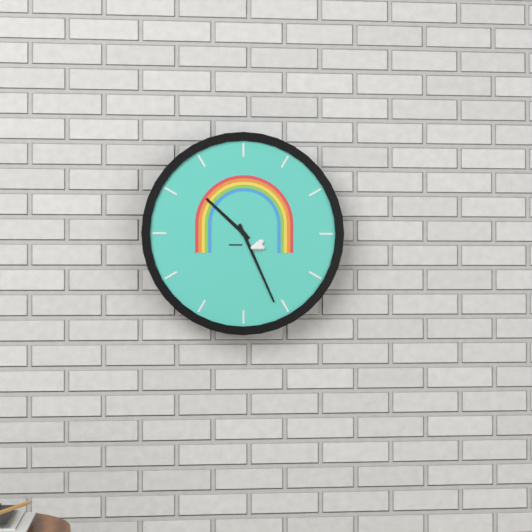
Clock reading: **10:26**
